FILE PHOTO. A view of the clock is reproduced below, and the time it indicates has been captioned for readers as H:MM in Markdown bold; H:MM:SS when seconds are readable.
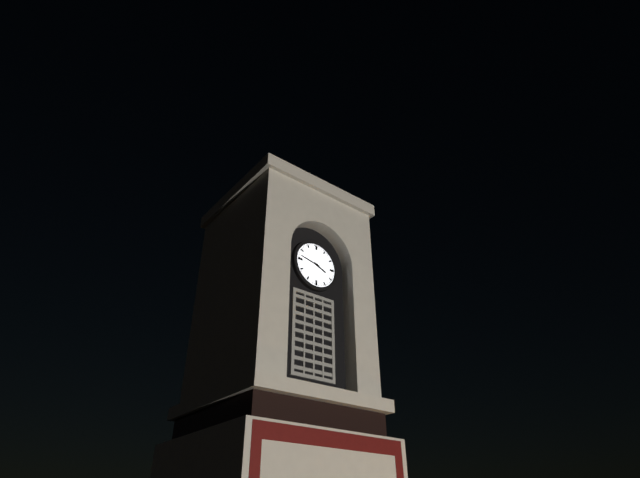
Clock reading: **3:47**
